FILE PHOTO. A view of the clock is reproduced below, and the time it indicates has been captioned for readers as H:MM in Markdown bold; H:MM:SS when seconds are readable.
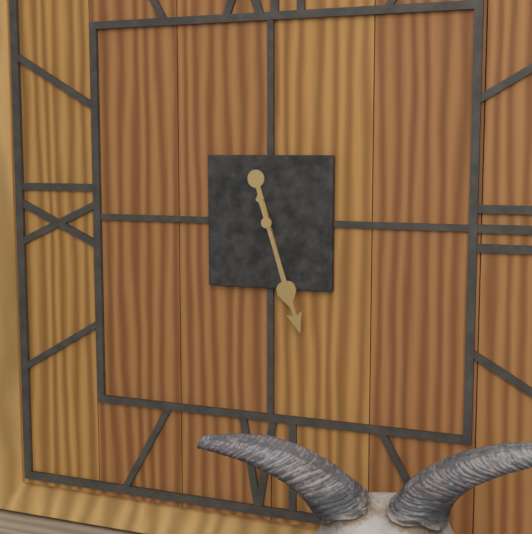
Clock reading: **5:27**
